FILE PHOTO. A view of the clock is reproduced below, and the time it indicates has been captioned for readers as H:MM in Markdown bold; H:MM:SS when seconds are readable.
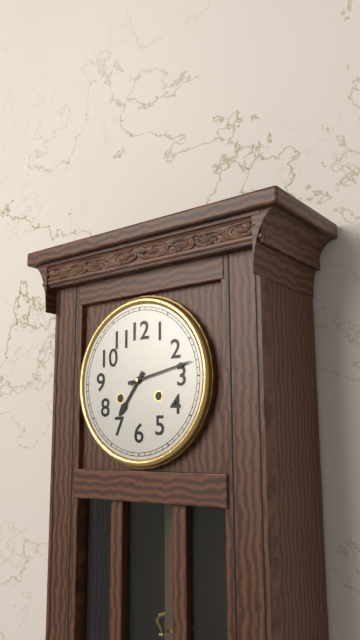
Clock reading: **7:13**
